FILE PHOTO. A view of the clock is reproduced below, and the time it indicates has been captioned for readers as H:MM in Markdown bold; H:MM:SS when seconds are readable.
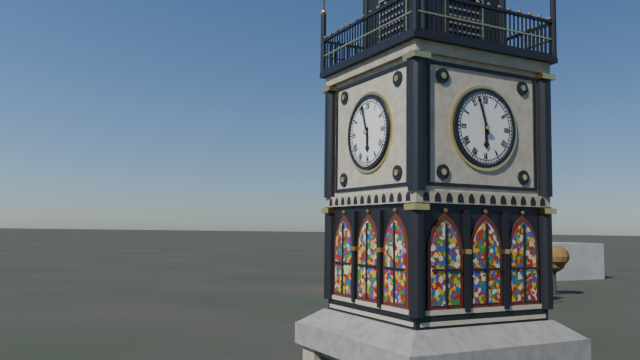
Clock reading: **5:57**
